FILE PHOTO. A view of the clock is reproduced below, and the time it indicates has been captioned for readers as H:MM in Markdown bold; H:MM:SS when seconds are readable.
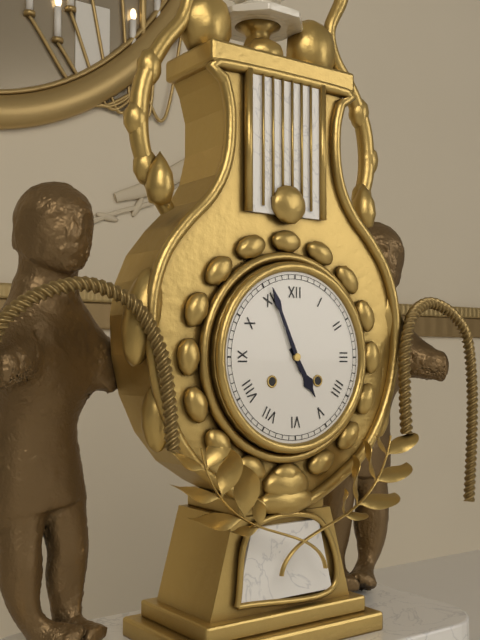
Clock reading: **4:56**
